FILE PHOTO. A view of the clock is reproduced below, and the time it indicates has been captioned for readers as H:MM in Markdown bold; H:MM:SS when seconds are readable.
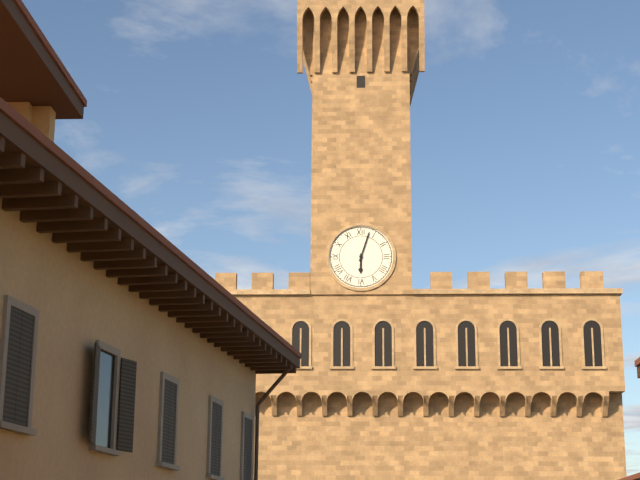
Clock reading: **6:03**
